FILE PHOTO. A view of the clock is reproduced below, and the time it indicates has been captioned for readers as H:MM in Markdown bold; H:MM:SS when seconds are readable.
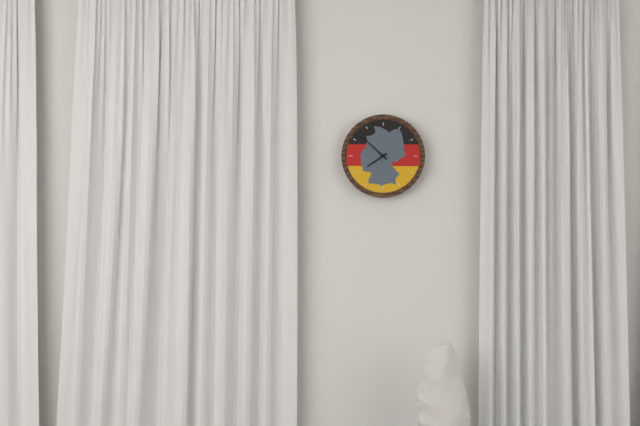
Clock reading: **7:52**
